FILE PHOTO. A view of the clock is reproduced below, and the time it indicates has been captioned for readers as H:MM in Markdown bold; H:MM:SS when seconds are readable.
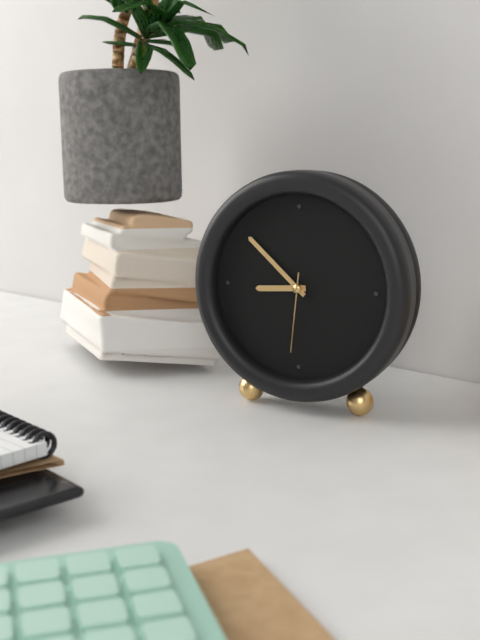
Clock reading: **8:52:31**
